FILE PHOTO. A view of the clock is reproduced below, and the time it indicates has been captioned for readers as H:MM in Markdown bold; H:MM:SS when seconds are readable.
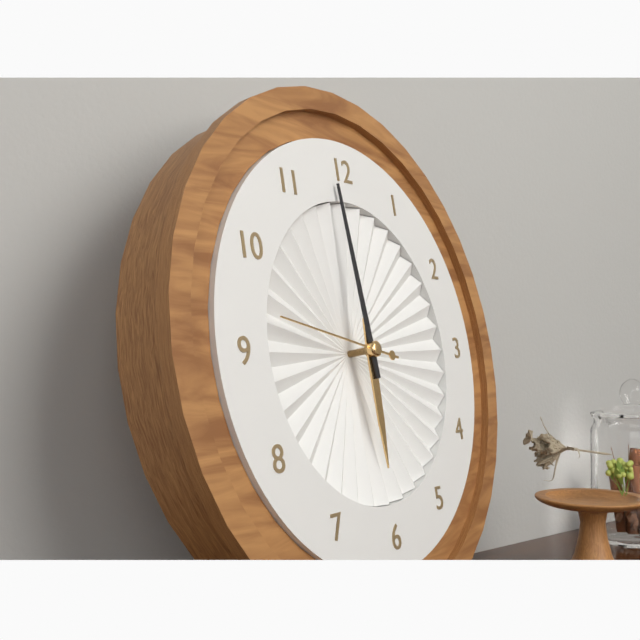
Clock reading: **5:59:47**
